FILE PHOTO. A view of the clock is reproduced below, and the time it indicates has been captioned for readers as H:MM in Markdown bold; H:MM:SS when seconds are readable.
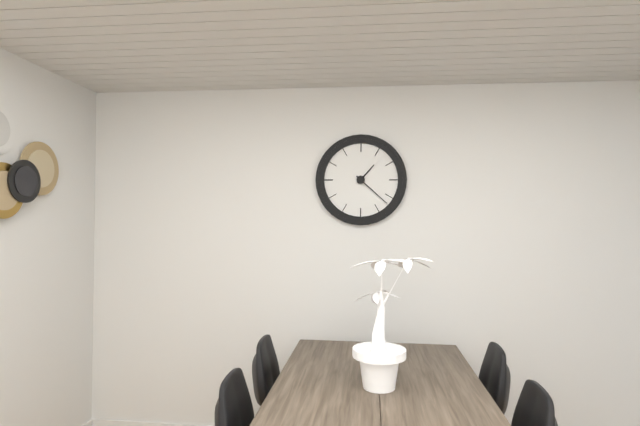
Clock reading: **1:22**
